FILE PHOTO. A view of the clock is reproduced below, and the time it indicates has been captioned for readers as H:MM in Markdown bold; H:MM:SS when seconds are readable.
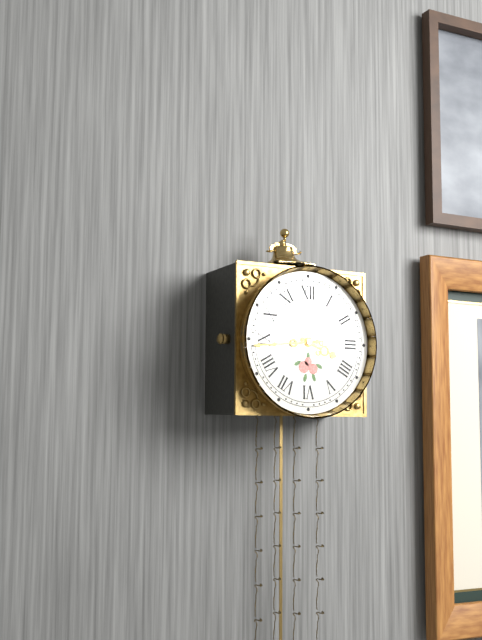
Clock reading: **3:44**
